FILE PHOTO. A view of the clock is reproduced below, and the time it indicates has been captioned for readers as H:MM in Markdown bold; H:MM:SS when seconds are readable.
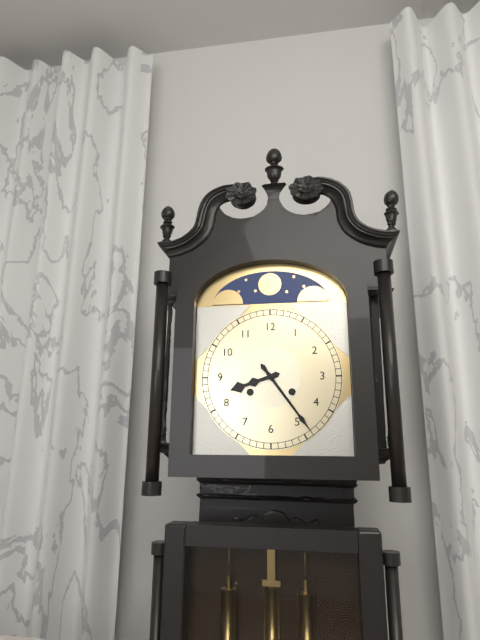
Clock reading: **8:24**
